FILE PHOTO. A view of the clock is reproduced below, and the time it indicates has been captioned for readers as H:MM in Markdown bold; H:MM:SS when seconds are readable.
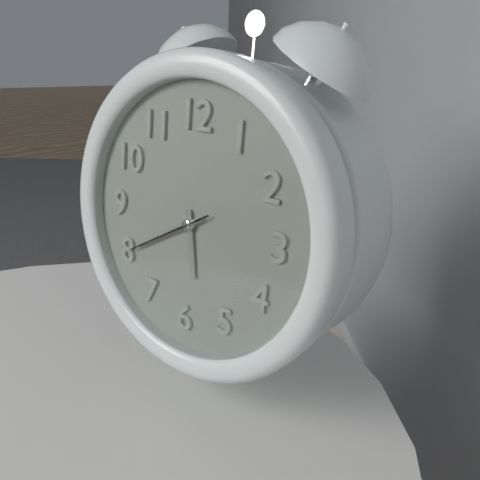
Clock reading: **5:40:40**
